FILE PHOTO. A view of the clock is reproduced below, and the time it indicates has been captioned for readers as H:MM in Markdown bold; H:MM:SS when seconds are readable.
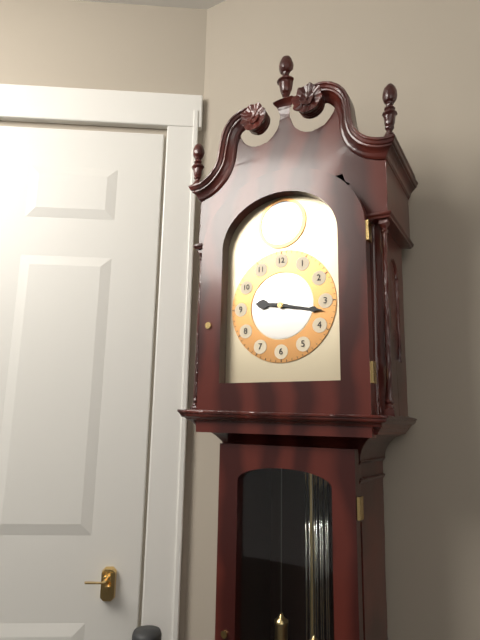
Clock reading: **9:17**
